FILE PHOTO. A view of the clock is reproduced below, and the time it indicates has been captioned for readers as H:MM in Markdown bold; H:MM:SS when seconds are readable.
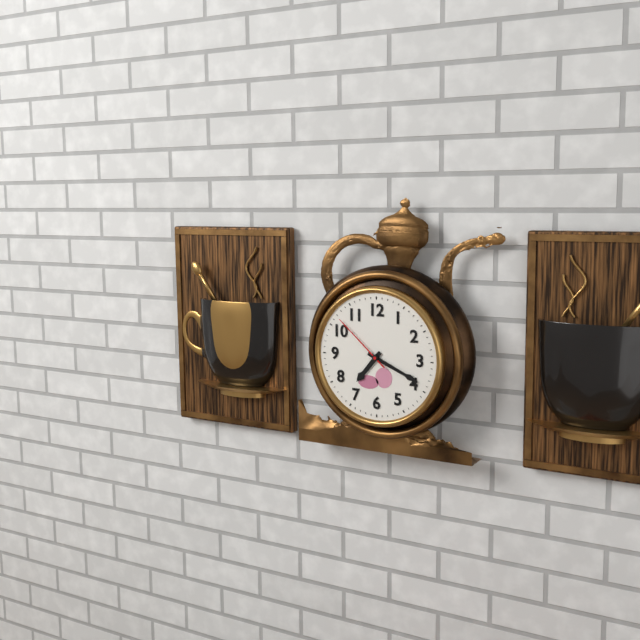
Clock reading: **7:19:52**
